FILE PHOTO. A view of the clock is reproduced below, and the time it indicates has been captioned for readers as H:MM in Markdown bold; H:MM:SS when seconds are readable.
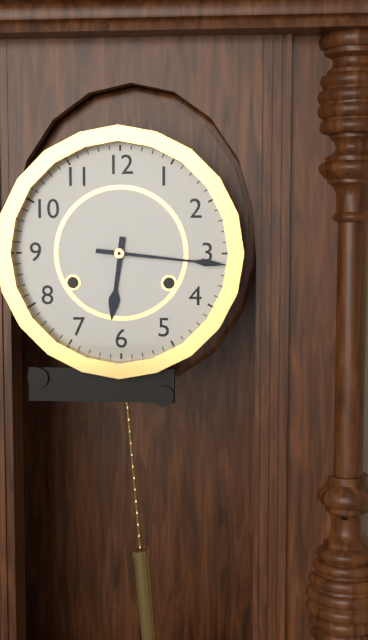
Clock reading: **6:16**
